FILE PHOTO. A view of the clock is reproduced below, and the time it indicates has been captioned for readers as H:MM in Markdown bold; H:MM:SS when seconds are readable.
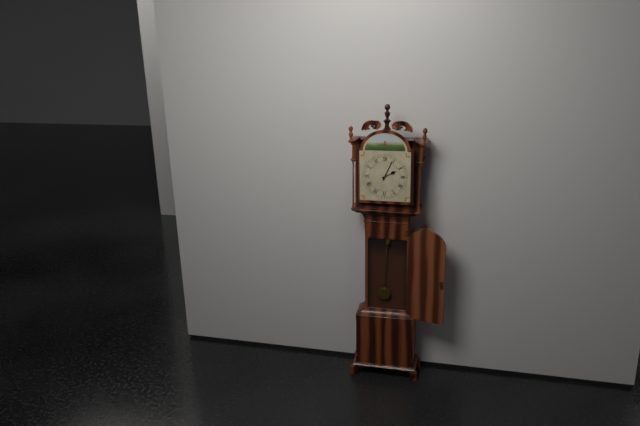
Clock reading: **2:04**
